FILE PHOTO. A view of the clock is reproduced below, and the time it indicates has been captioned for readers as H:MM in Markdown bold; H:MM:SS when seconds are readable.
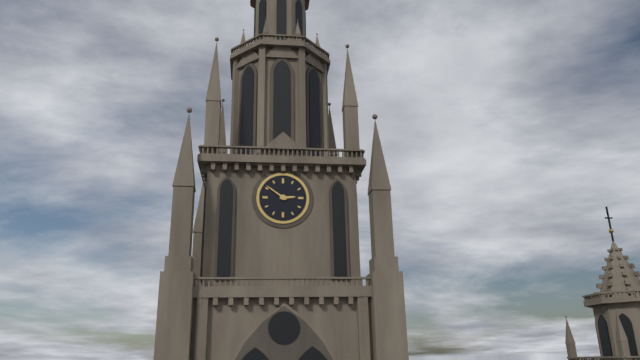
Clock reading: **2:51**
